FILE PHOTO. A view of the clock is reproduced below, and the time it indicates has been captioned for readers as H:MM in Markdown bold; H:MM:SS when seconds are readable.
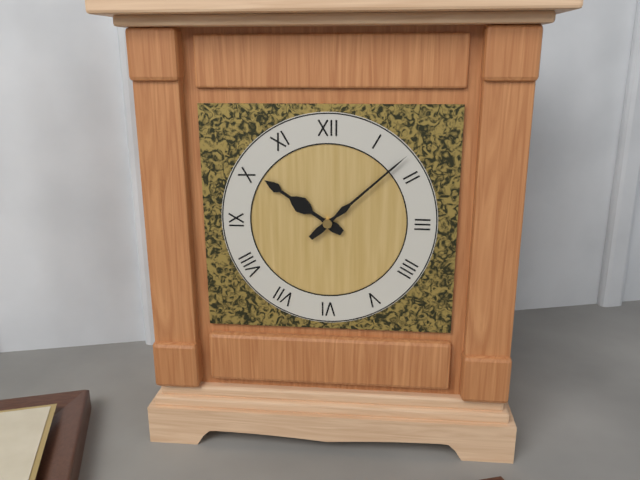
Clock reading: **10:08**
